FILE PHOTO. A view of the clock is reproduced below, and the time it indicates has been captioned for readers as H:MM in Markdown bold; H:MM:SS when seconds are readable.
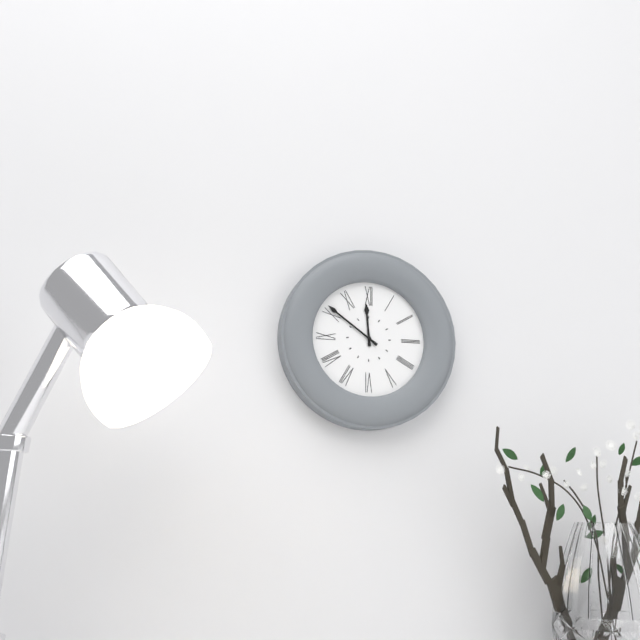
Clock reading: **11:51**
